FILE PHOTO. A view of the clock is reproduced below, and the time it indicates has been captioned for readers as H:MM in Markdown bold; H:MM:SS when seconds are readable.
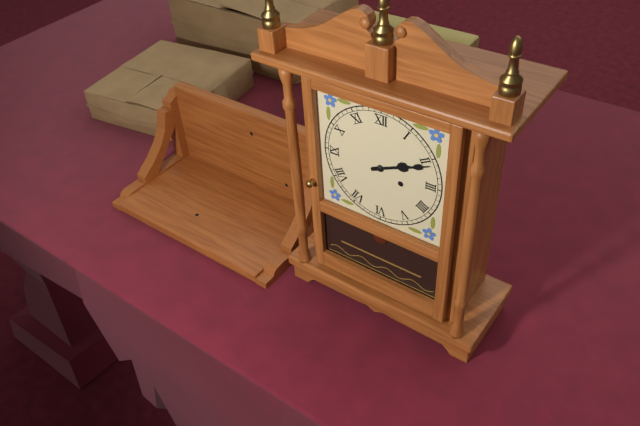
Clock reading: **2:11**
